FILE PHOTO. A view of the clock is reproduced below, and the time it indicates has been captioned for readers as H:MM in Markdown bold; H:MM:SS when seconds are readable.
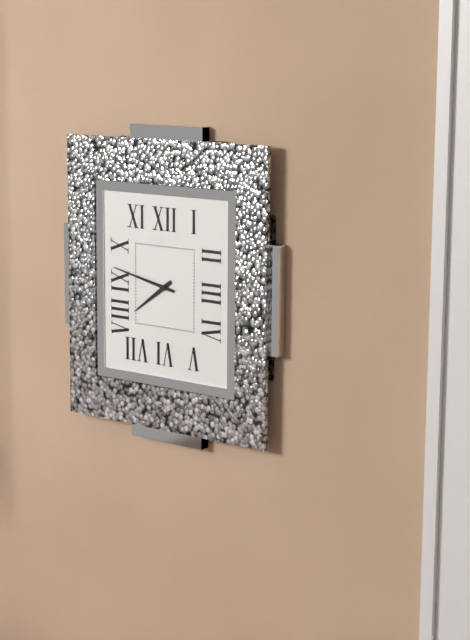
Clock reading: **7:47**
